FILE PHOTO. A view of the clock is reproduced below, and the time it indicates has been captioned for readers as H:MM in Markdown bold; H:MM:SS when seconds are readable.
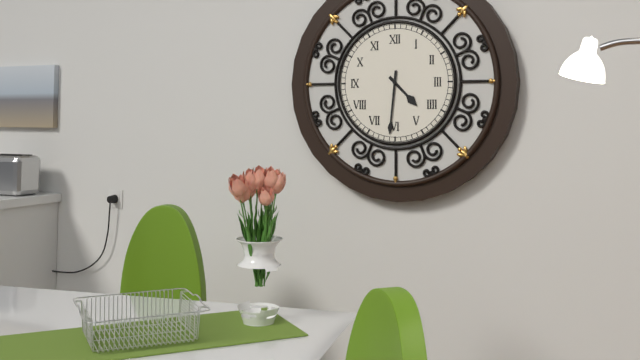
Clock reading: **4:31**
